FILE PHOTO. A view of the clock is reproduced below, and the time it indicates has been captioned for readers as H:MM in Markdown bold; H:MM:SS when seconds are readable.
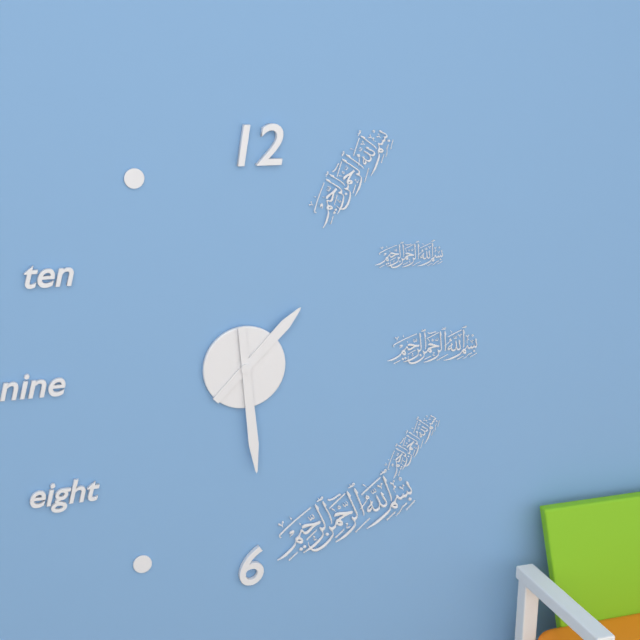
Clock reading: **1:29**
